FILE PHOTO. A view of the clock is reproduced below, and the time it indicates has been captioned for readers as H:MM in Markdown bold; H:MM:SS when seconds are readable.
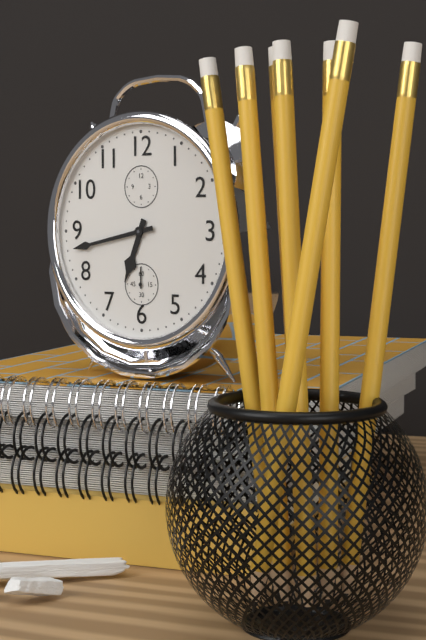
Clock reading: **6:43**
